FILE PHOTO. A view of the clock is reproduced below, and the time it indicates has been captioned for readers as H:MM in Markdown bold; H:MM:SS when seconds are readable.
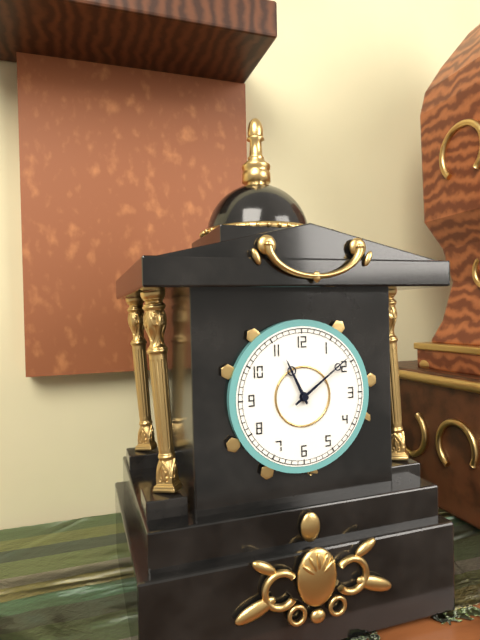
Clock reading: **11:09**
